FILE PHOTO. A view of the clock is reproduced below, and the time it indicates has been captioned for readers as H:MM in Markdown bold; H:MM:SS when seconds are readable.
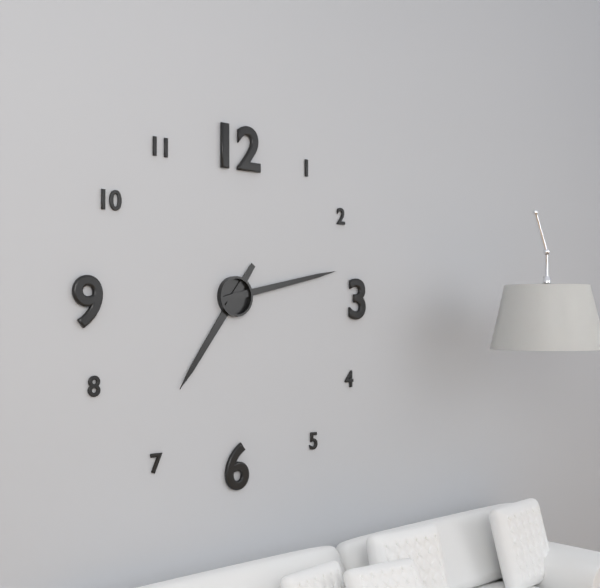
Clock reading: **7:13**
